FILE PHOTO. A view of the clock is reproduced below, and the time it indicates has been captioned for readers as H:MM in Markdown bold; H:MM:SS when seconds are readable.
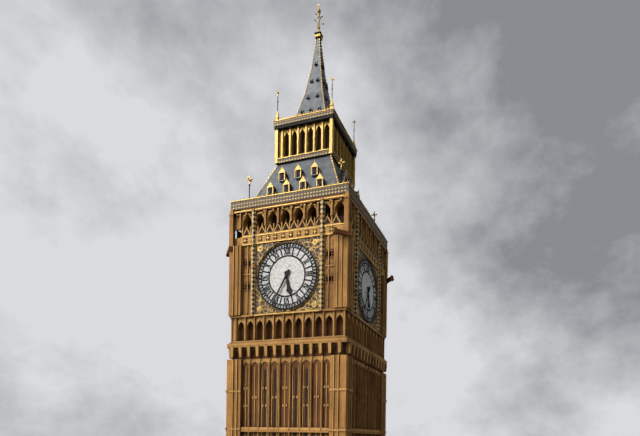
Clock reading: **5:35**
